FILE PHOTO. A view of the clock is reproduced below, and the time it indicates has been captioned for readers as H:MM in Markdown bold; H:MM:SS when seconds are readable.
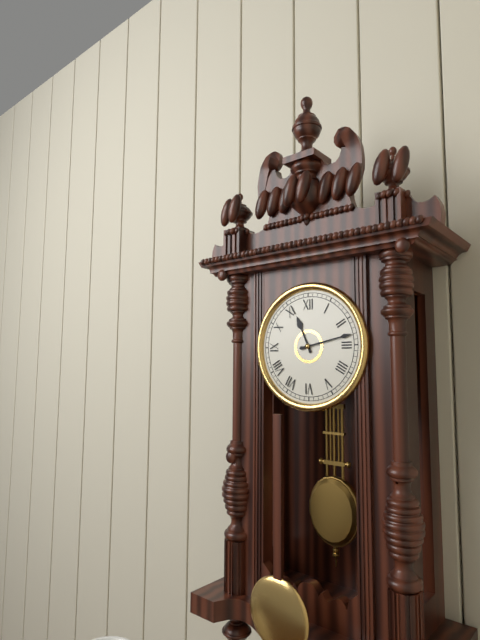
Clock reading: **11:13**
